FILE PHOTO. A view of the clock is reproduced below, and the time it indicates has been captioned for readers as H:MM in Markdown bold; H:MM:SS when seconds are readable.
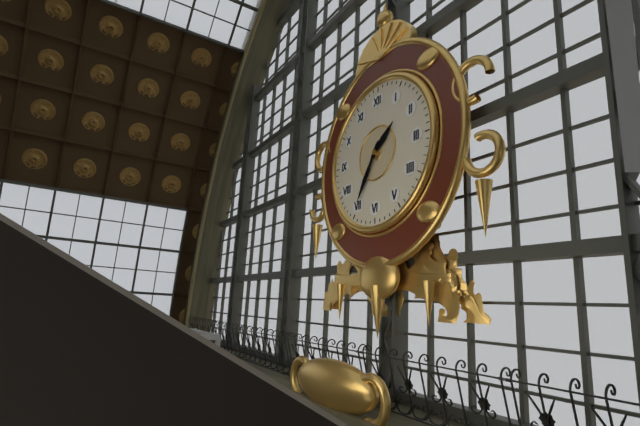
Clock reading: **1:35**
